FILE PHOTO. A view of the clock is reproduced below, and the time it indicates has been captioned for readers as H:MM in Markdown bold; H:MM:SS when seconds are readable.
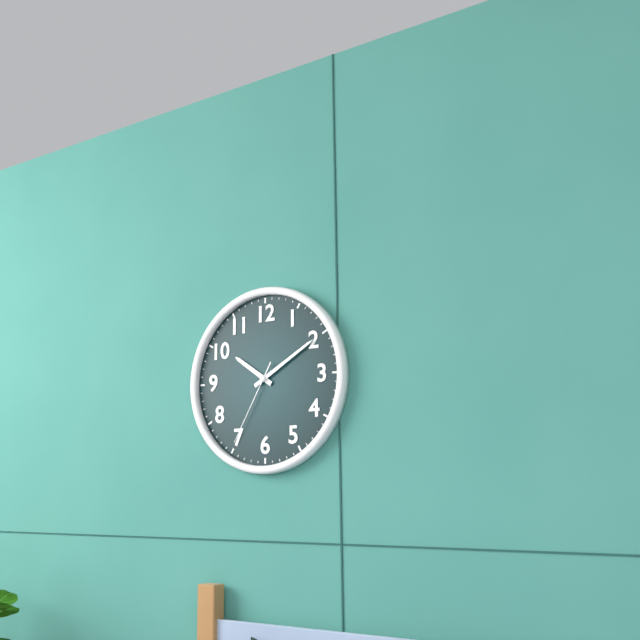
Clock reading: **10:10:35**
